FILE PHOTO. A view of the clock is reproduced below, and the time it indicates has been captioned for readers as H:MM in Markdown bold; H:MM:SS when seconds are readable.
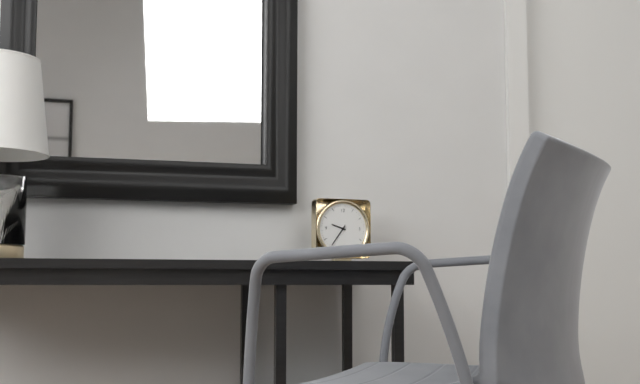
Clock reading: **9:36**
